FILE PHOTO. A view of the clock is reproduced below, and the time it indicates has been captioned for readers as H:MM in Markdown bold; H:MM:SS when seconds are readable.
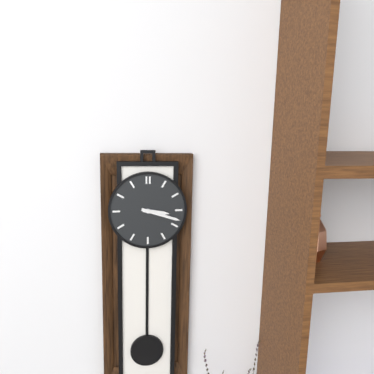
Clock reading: **3:18**
